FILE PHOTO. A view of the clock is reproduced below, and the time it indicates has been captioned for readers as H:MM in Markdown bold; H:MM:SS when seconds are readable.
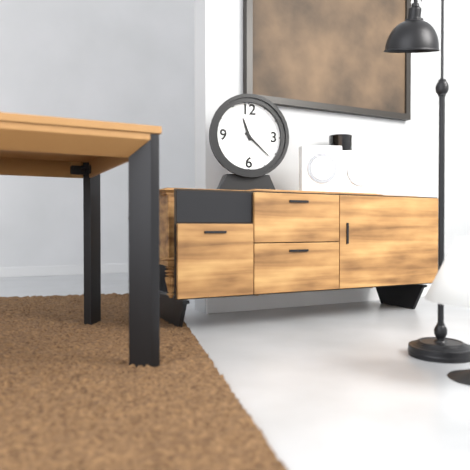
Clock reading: **11:22**
